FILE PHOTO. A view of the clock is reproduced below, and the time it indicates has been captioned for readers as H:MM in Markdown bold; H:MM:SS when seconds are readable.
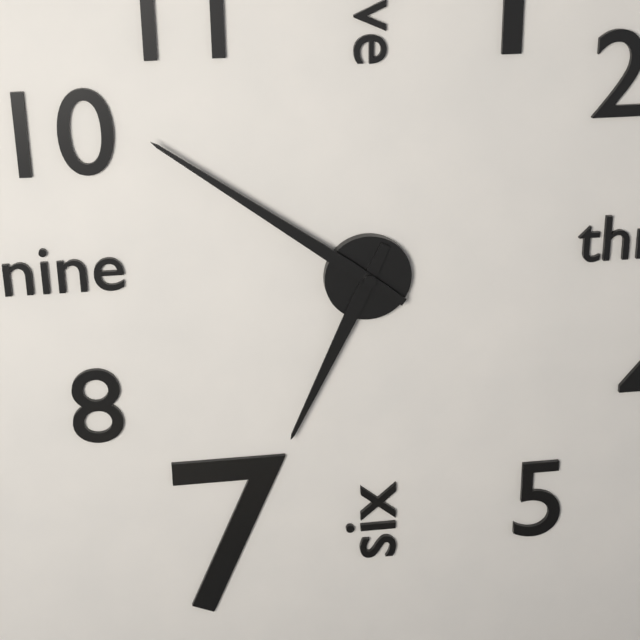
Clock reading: **6:51**
